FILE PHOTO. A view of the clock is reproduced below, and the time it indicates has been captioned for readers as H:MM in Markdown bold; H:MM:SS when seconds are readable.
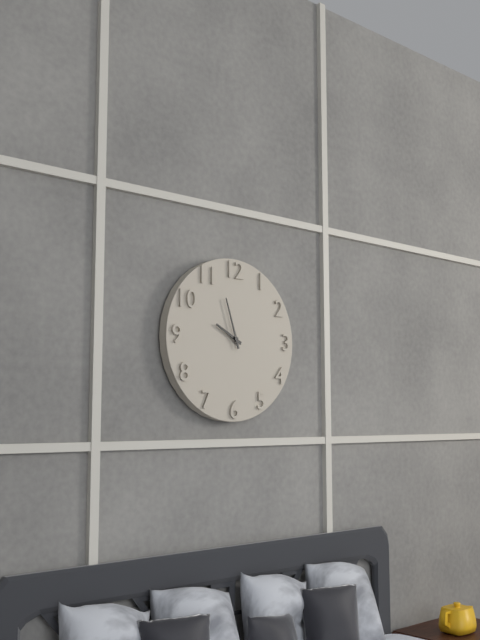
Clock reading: **9:57**
